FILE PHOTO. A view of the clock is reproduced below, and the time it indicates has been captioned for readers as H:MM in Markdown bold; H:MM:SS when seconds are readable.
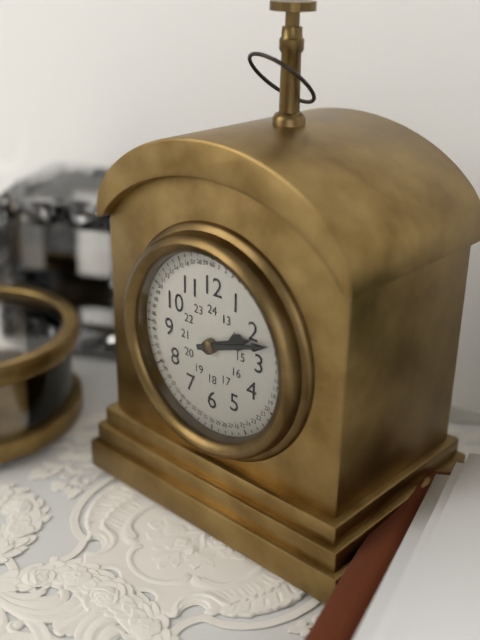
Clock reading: **2:12**
